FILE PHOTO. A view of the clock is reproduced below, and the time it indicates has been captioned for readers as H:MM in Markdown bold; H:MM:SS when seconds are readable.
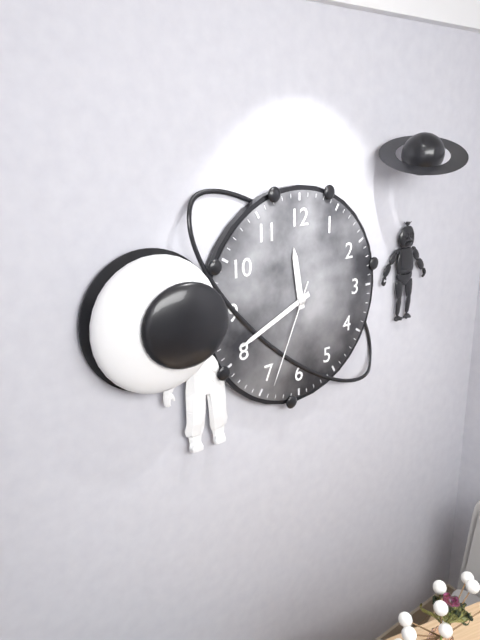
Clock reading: **11:41:34**
